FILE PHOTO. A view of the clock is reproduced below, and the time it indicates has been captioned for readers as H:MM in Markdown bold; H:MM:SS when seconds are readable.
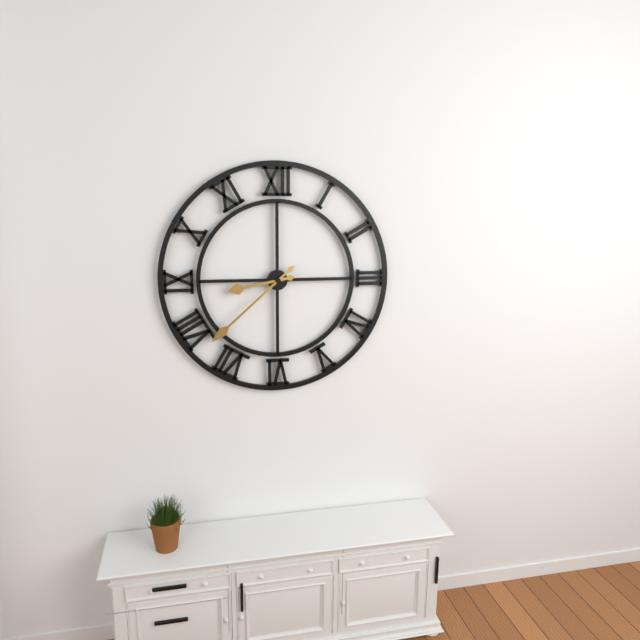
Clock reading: **8:38**
